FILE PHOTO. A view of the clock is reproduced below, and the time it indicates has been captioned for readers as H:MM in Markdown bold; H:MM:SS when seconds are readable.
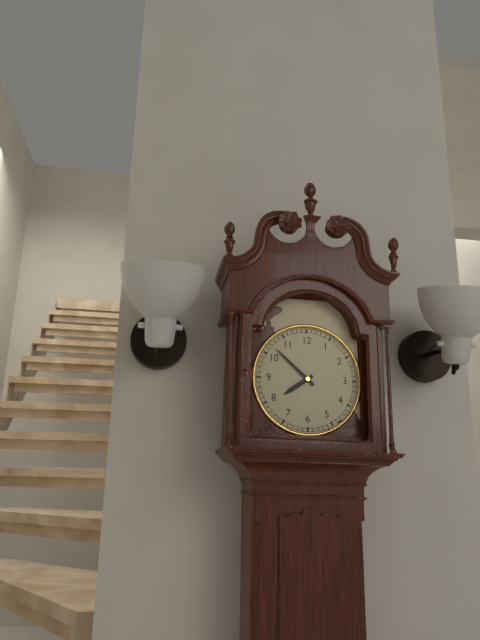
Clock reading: **7:52**
